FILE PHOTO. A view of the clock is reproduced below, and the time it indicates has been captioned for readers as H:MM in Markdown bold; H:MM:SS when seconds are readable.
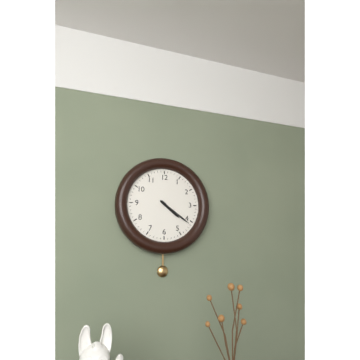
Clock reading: **4:21**
